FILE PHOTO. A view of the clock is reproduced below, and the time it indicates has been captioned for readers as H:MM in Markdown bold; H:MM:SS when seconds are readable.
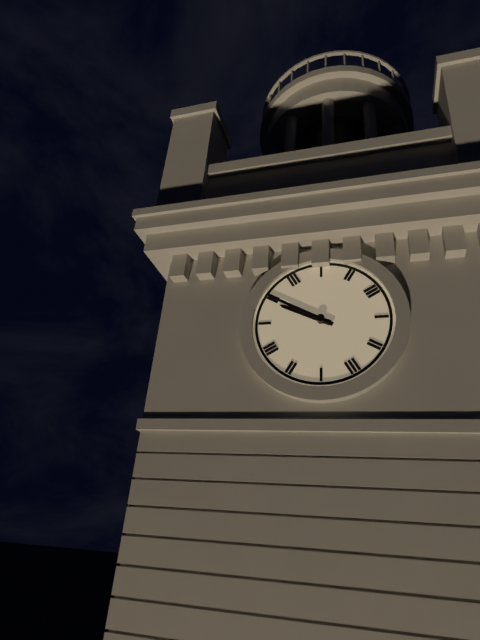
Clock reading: **9:50**
